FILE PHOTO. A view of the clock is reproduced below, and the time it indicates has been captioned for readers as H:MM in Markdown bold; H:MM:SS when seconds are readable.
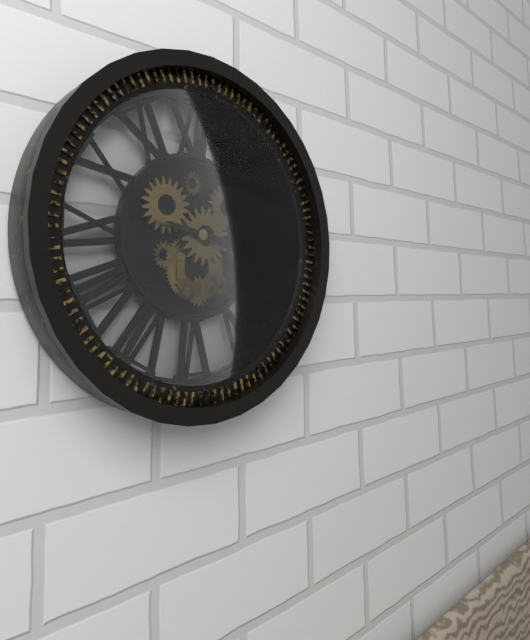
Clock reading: **3:17**
